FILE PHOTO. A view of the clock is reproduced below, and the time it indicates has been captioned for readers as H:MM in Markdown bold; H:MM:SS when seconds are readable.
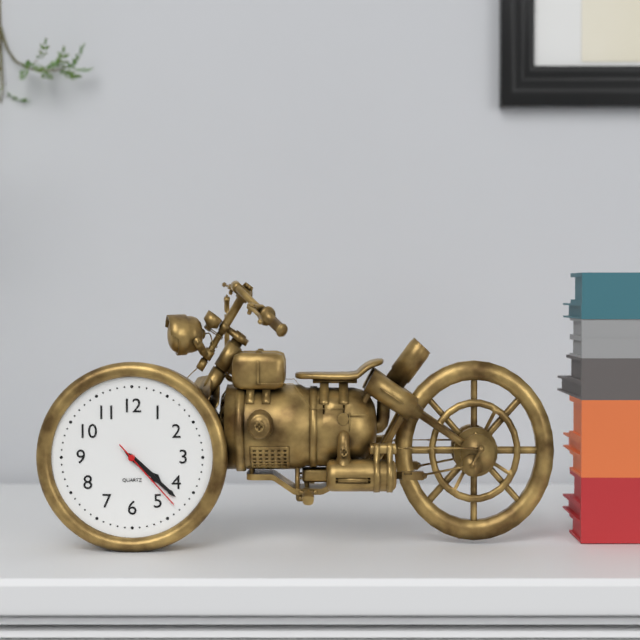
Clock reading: **4:22:23**
